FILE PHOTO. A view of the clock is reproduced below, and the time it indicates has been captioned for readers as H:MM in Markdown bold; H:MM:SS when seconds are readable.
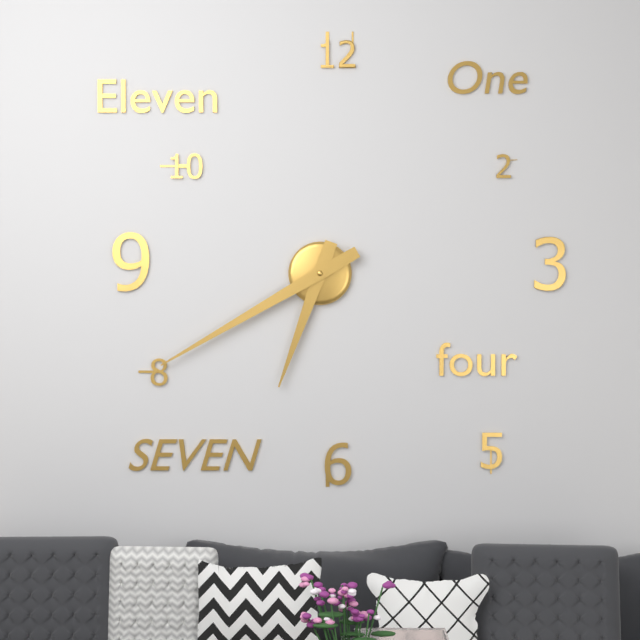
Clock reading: **6:40**
